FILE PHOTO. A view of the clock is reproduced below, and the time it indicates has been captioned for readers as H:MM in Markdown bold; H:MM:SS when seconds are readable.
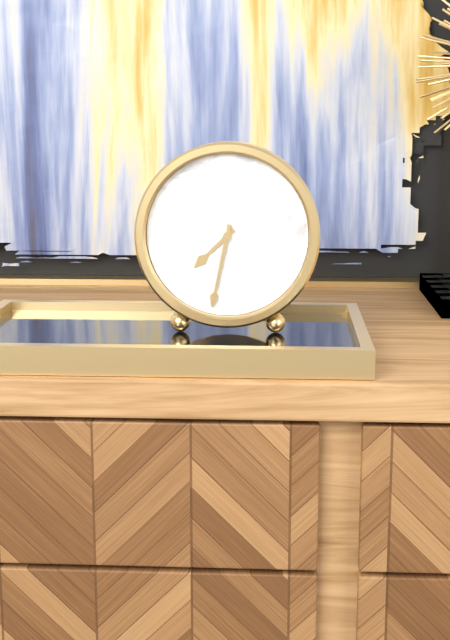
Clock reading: **7:32**
